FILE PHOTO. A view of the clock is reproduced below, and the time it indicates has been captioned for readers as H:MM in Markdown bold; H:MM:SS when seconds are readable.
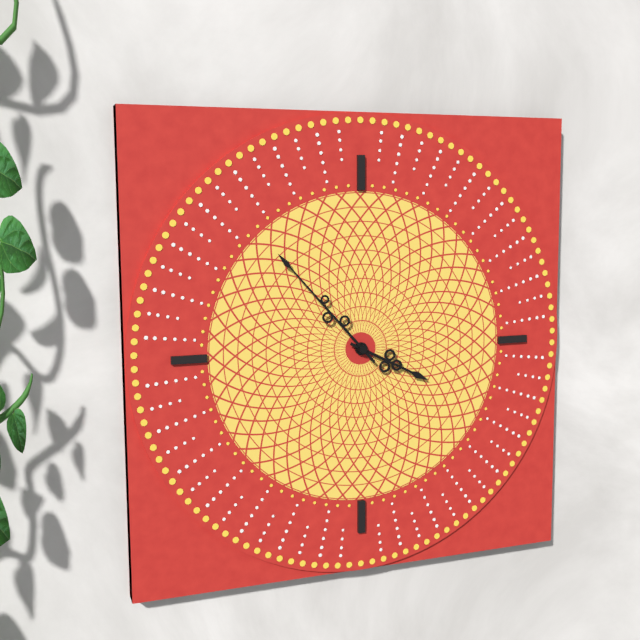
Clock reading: **3:53**
